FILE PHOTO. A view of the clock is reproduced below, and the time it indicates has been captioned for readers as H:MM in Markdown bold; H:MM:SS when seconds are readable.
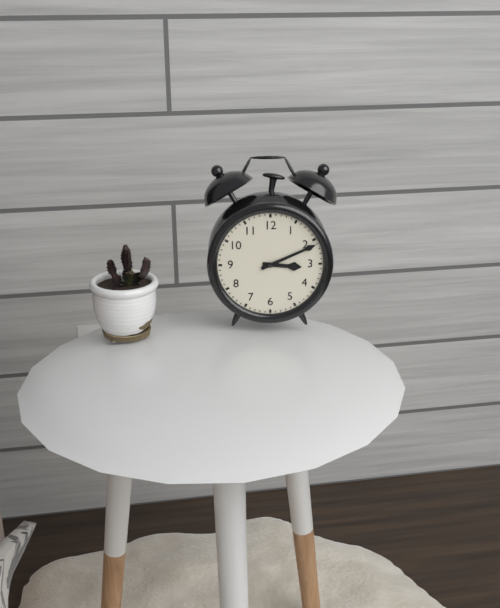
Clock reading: **3:11**
